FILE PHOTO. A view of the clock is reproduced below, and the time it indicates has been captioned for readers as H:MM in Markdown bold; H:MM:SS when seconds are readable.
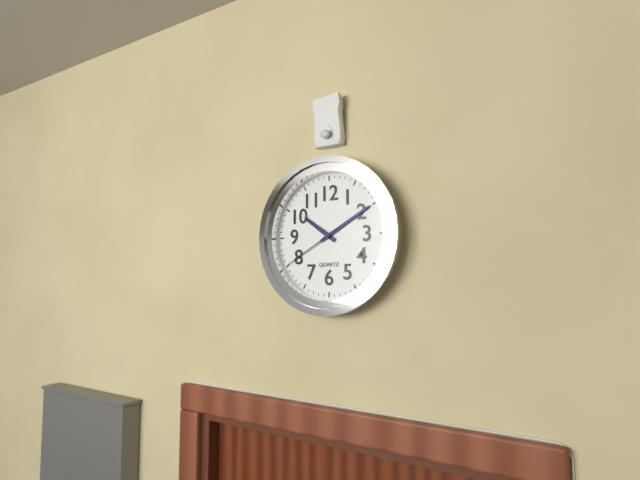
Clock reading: **10:10:40**
